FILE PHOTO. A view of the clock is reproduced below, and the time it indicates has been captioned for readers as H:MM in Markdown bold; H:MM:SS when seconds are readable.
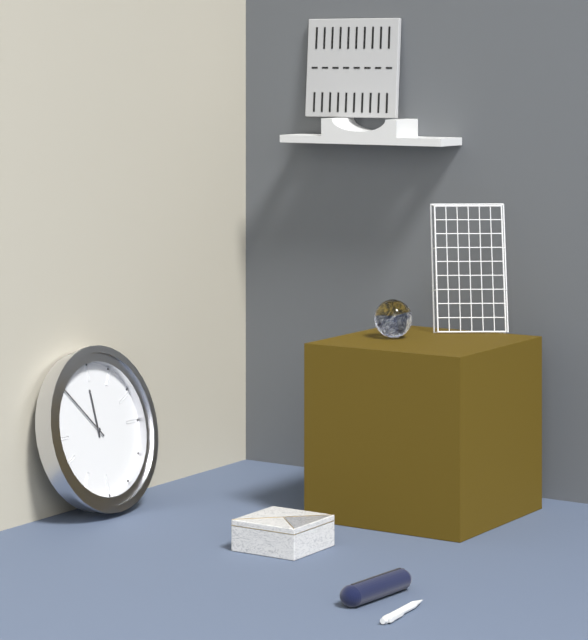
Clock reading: **11:53**
